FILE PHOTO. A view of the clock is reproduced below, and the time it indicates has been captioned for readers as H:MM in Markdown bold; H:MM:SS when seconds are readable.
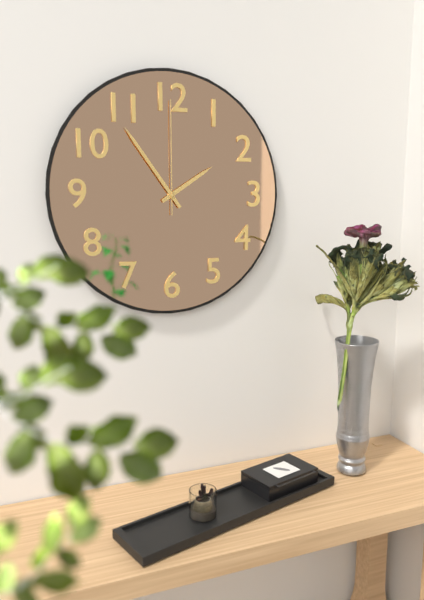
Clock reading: **1:54:00**
